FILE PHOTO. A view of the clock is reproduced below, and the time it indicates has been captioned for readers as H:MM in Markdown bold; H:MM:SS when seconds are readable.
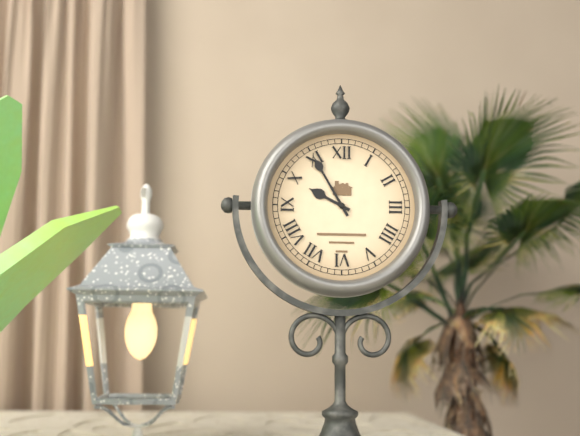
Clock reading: **9:55**
